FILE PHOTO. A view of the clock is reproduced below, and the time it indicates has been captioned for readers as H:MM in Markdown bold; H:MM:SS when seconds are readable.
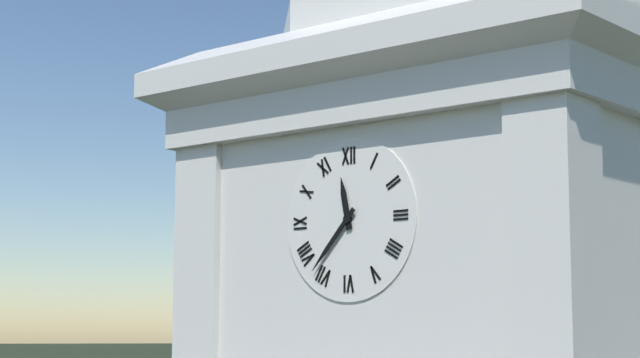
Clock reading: **11:37**
